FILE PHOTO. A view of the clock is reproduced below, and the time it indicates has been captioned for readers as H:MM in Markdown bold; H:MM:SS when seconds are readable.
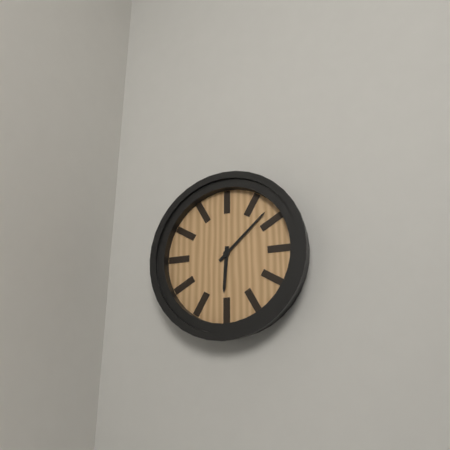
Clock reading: **6:08**
